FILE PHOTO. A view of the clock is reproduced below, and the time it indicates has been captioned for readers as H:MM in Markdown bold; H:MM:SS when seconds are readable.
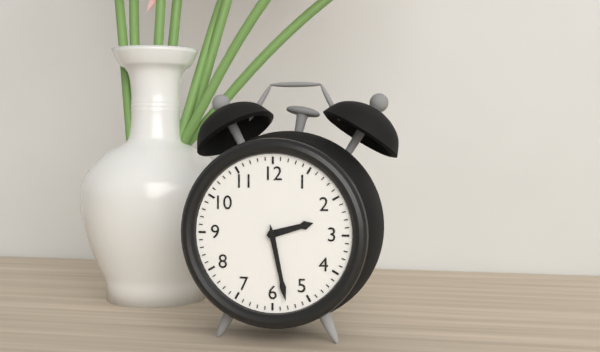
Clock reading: **2:28**
